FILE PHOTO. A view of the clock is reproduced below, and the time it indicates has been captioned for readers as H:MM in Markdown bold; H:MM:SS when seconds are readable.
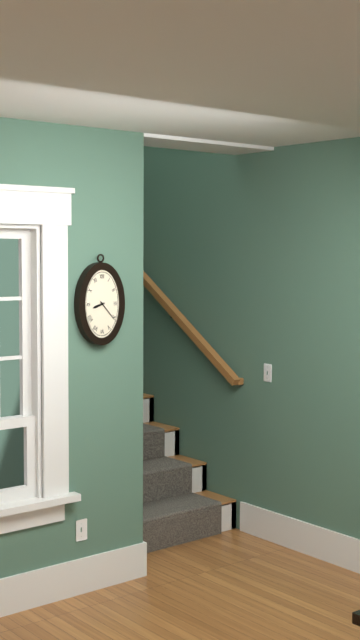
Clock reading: **8:23**
